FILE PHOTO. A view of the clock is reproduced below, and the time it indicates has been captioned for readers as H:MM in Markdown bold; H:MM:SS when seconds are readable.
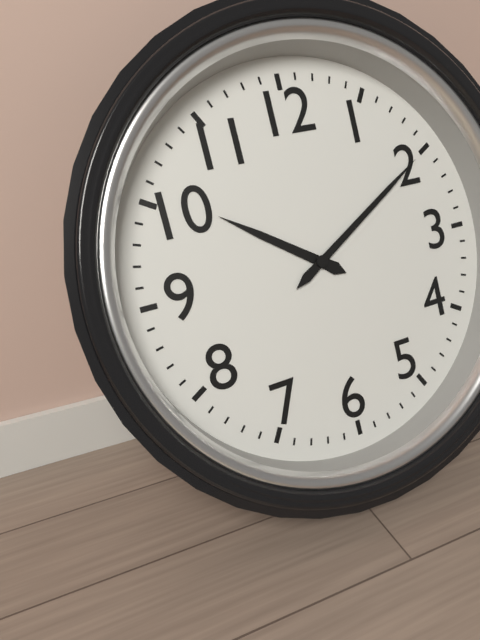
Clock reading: **10:10**
